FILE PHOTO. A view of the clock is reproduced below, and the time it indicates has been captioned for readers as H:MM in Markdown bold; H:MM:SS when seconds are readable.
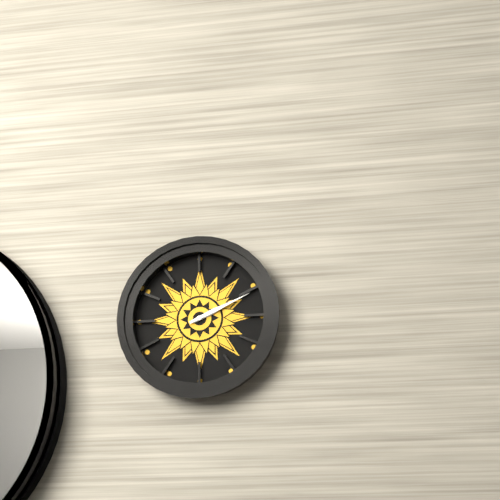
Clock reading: **2:11**
